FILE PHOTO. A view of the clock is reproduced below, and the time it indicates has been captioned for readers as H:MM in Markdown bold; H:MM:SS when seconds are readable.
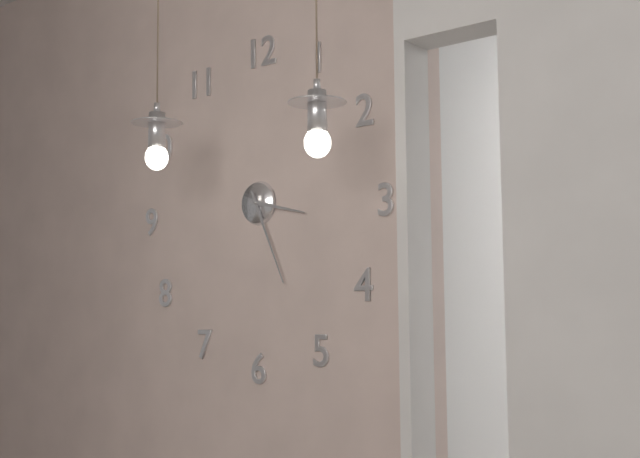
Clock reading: **3:26**
